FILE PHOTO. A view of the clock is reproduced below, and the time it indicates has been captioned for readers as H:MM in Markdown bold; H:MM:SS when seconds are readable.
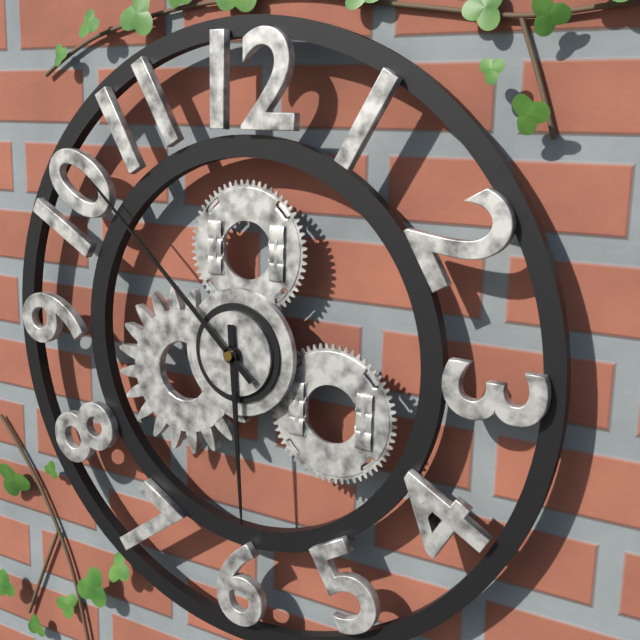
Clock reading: **5:52**
